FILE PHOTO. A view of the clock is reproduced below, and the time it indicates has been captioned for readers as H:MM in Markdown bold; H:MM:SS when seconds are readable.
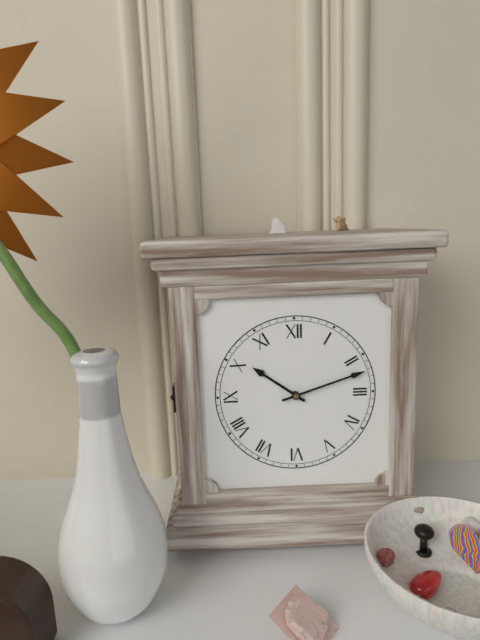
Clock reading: **10:12**
